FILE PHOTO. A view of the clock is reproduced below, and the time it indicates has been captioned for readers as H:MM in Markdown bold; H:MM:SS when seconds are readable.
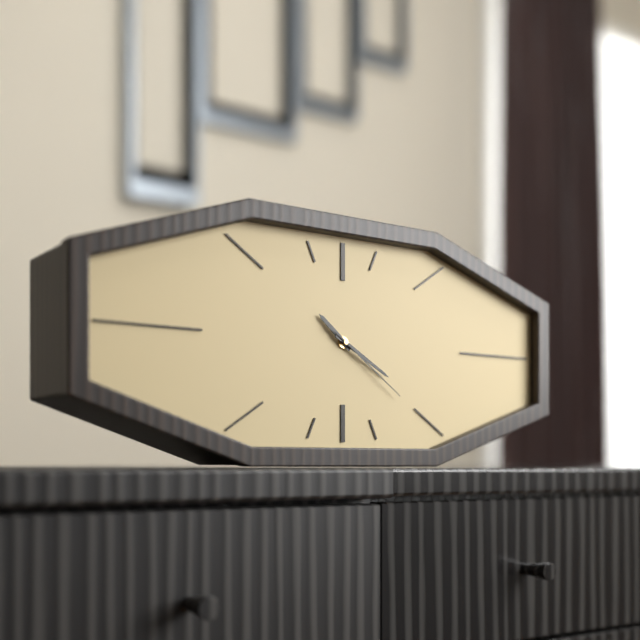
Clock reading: **10:20:21**
